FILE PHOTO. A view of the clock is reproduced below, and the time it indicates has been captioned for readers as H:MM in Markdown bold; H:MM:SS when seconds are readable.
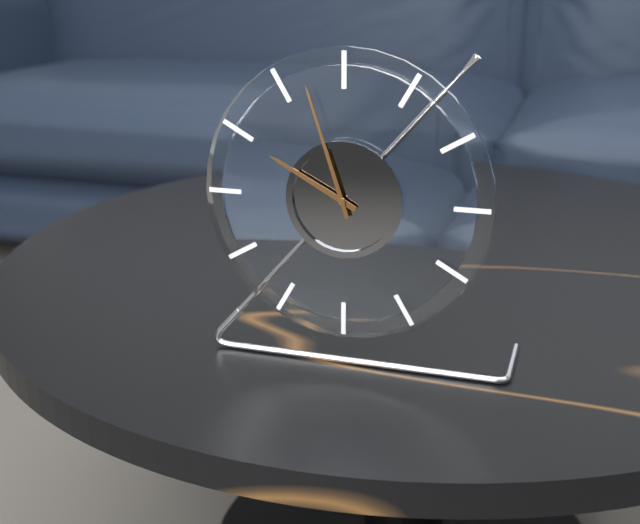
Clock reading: **9:57**
